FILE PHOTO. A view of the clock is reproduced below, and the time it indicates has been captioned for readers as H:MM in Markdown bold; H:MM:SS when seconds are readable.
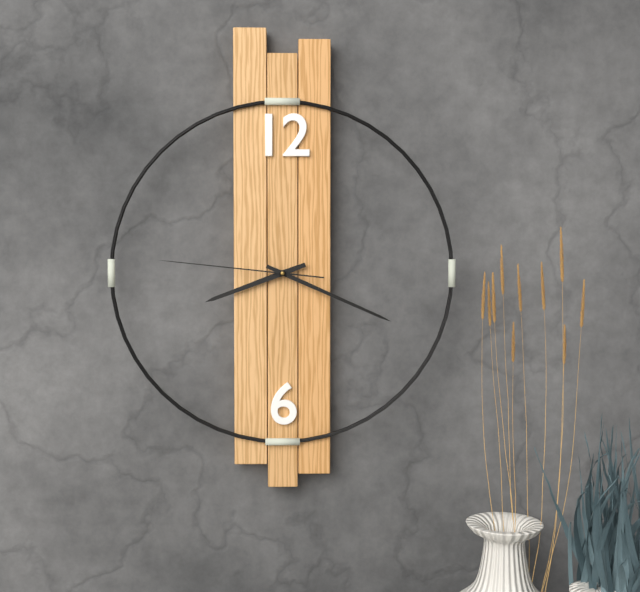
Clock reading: **8:19:46**
